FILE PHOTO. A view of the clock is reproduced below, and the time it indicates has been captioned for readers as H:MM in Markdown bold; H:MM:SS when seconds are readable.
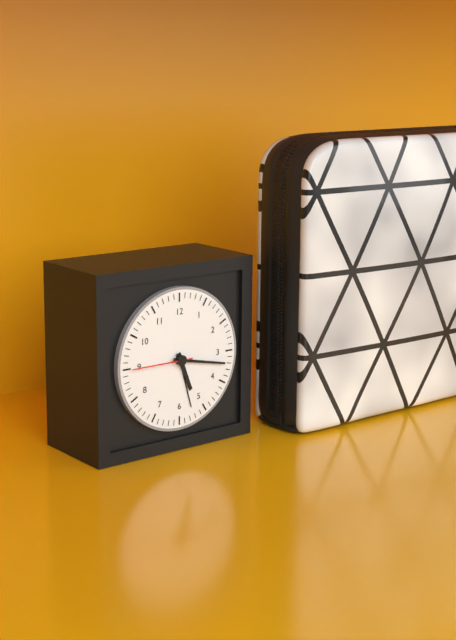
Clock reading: **5:17:45**
